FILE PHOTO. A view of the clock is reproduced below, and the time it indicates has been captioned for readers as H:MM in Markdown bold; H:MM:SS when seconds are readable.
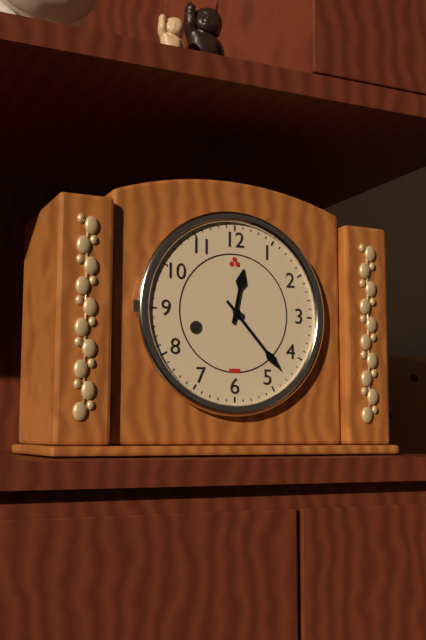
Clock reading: **12:23**
